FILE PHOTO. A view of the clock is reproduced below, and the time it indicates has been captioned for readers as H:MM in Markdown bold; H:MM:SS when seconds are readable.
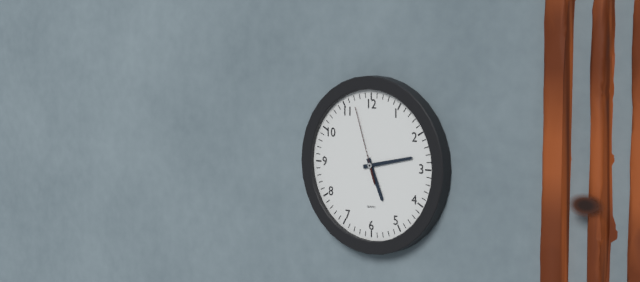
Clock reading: **5:13:57**
